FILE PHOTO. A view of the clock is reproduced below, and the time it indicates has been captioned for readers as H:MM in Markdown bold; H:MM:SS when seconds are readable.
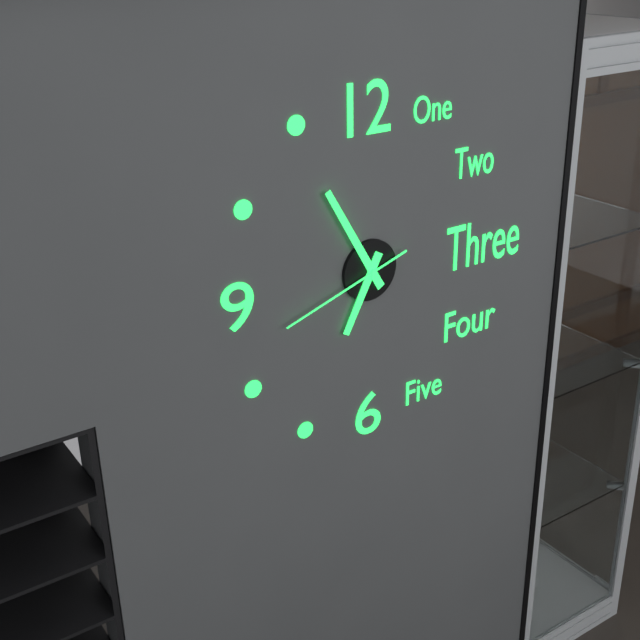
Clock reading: **6:55:42**
